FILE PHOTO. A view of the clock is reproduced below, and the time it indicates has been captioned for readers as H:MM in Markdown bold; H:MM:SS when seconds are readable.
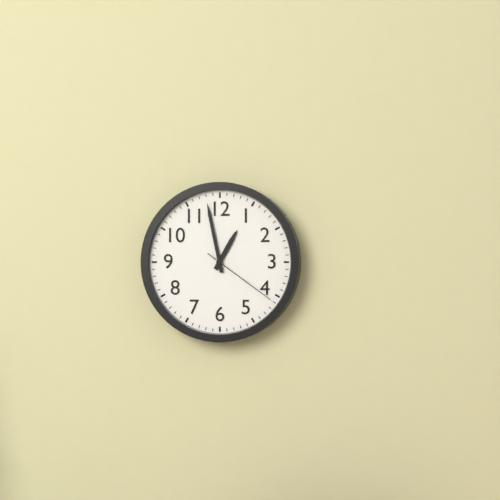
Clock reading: **12:58:21**
